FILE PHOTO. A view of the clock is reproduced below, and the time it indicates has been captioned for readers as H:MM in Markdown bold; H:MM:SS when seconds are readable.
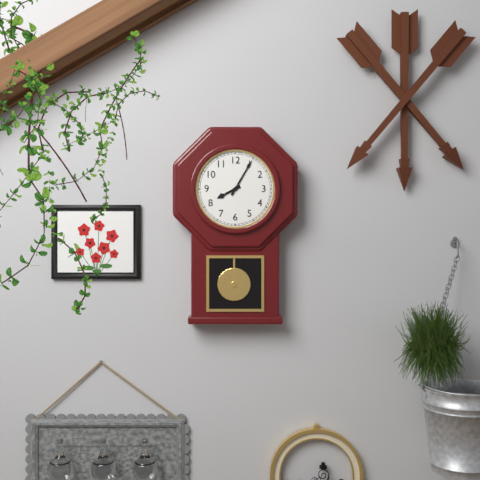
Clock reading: **8:05**
